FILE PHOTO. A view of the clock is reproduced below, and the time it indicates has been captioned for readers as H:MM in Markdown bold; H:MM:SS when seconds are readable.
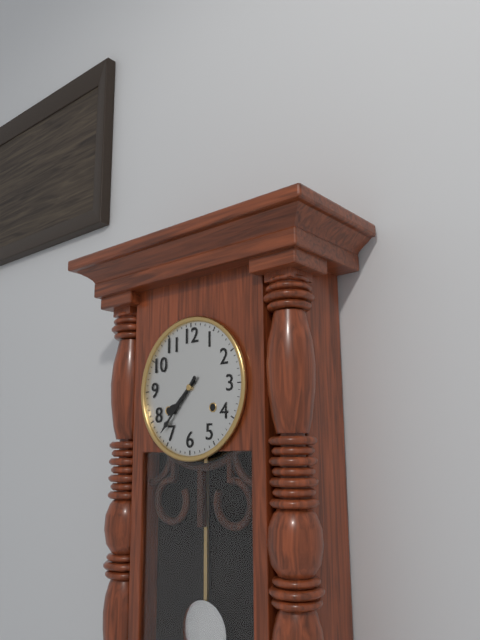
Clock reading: **7:37**
